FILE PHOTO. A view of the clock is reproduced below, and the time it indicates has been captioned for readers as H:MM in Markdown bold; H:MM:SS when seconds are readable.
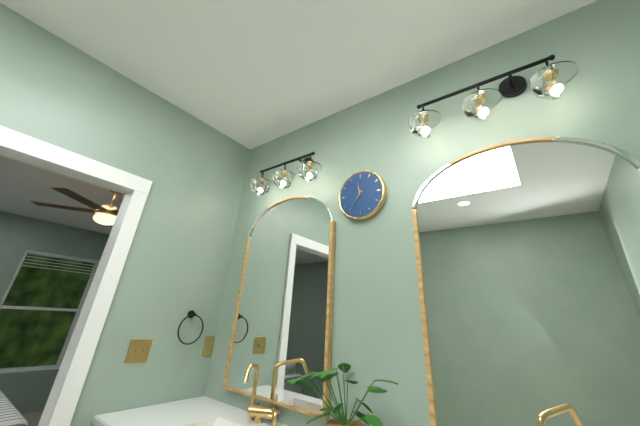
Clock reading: **11:36**
